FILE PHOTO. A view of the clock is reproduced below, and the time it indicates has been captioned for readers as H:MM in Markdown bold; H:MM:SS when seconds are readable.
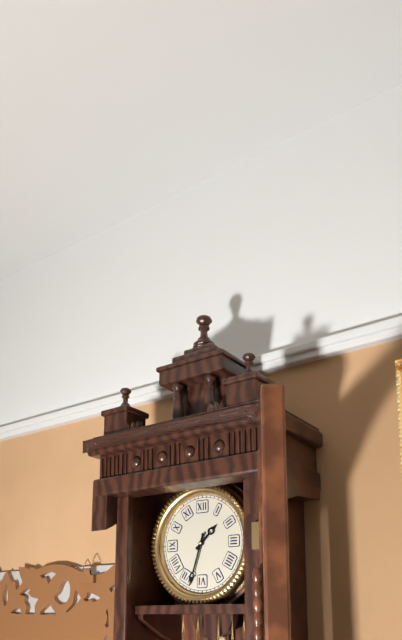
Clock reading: **1:33**
